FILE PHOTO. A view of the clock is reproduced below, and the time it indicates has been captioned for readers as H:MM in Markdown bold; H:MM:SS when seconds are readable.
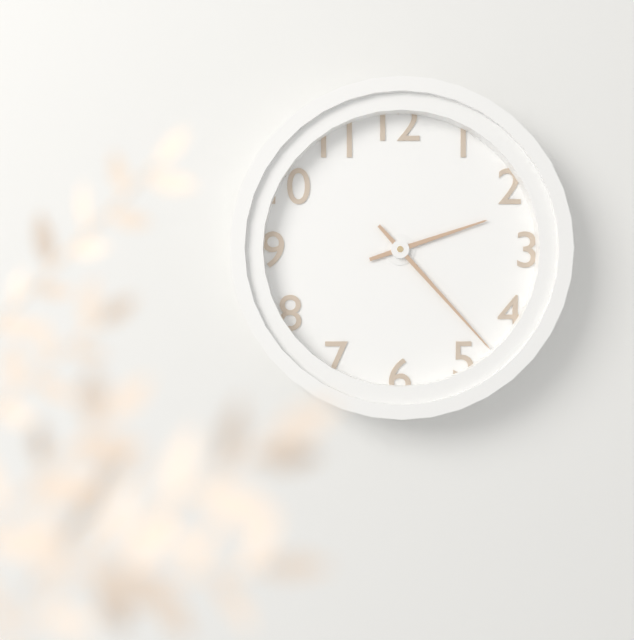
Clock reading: **2:23**
